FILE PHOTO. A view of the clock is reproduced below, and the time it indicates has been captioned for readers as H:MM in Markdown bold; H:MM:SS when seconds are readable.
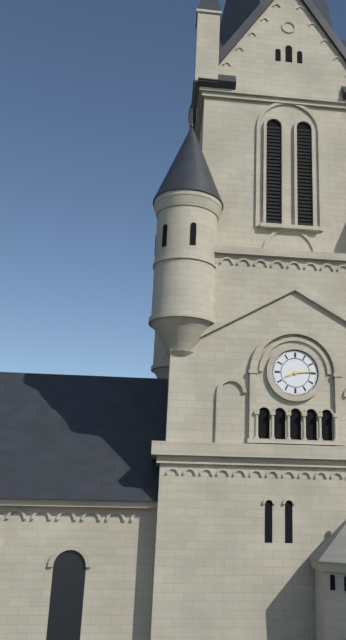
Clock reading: **8:14**
